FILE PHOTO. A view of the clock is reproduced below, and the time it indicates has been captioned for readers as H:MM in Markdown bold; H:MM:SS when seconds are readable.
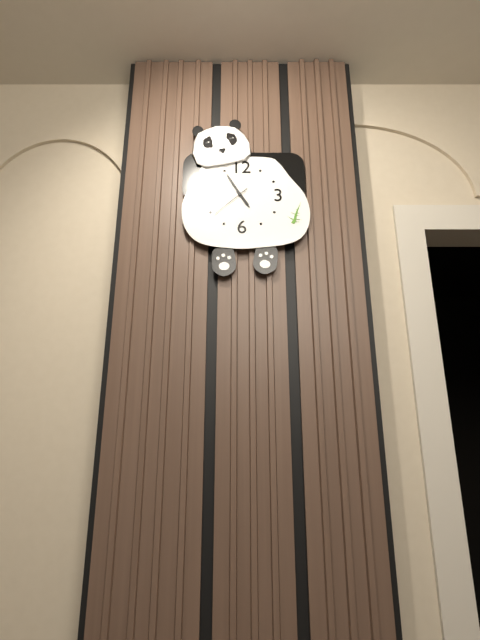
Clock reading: **4:55**
